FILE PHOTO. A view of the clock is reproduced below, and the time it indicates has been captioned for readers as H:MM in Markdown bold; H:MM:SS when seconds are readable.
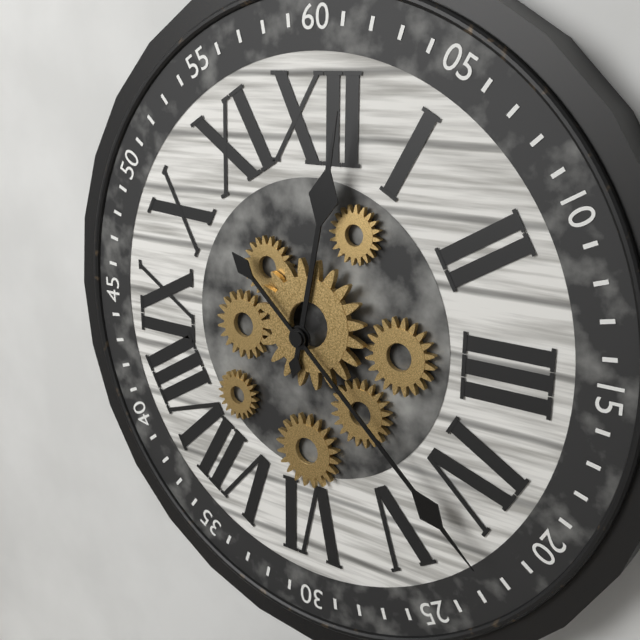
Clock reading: **12:22**
